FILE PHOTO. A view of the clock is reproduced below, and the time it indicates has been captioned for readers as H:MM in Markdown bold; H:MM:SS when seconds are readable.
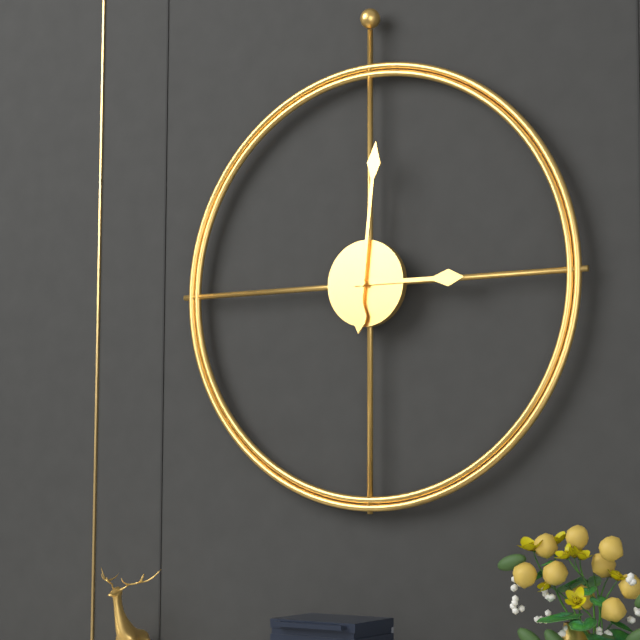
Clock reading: **3:01**
